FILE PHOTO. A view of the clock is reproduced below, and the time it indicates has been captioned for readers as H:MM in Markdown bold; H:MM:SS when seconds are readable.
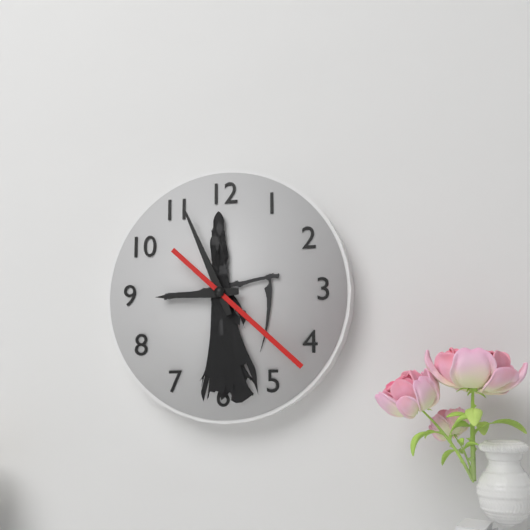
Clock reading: **8:56:22**
